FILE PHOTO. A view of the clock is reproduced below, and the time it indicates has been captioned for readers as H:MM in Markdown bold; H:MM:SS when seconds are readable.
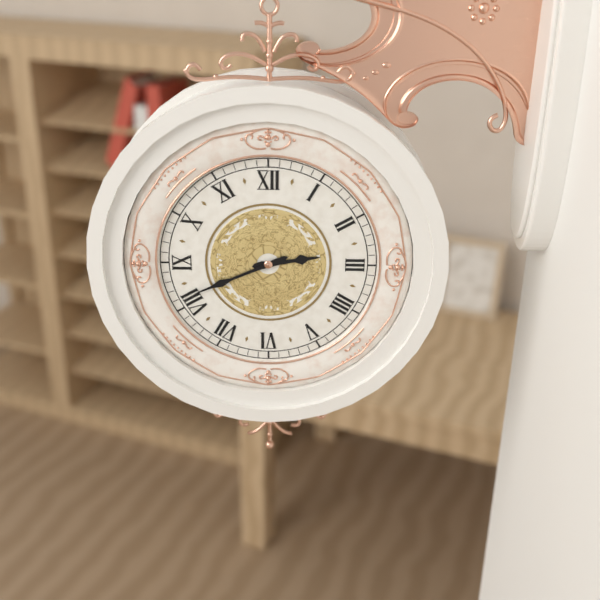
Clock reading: **2:41**
